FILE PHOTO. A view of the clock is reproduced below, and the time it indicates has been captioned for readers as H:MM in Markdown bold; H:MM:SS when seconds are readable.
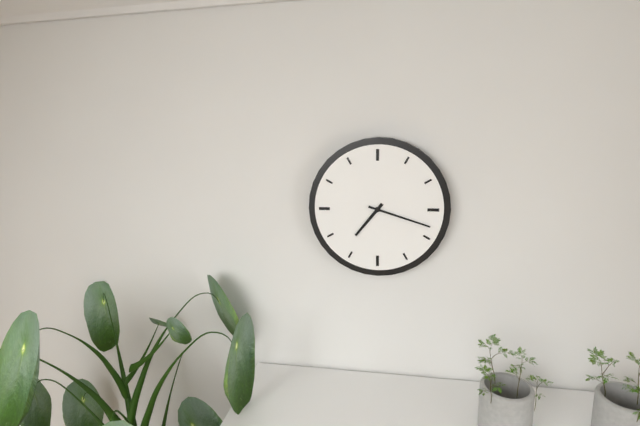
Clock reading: **7:18**
